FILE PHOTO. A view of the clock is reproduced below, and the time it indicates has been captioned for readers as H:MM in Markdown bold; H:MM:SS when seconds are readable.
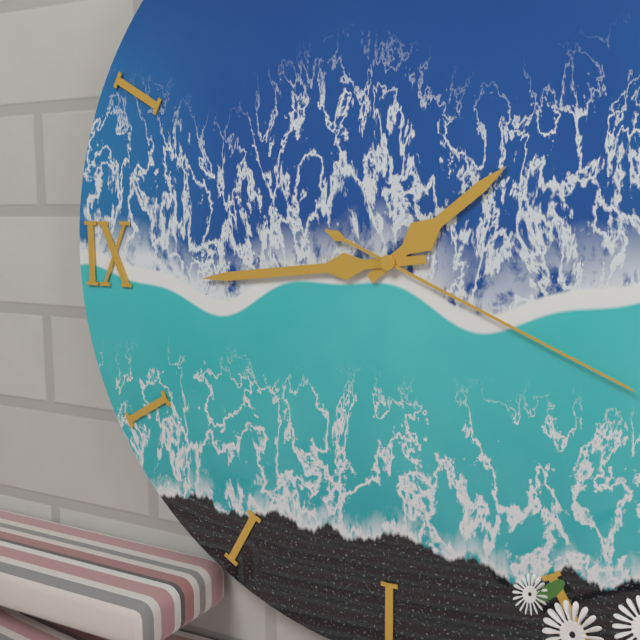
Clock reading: **1:44:19**
